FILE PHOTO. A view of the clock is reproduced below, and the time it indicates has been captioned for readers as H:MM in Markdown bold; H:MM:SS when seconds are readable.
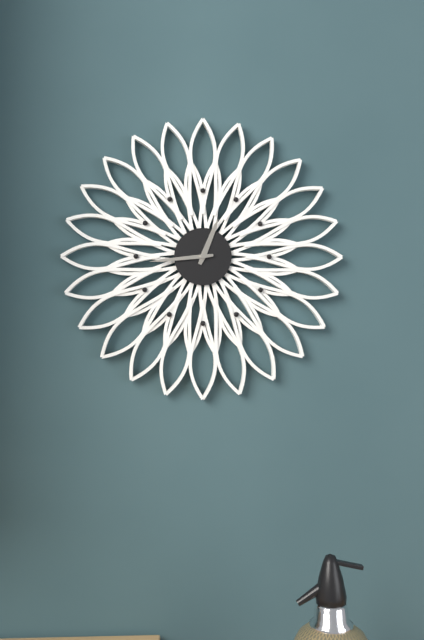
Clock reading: **12:44**
